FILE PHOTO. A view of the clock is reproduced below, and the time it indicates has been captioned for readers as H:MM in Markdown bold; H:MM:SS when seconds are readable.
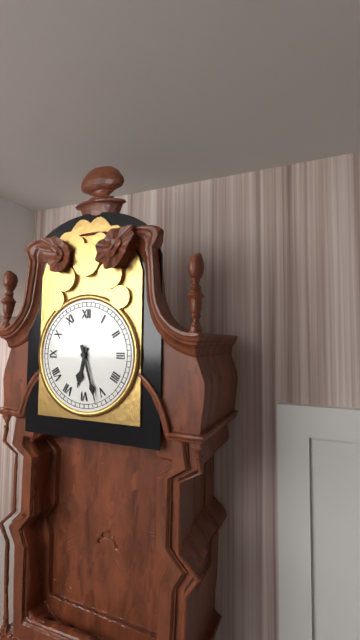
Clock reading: **6:27**
